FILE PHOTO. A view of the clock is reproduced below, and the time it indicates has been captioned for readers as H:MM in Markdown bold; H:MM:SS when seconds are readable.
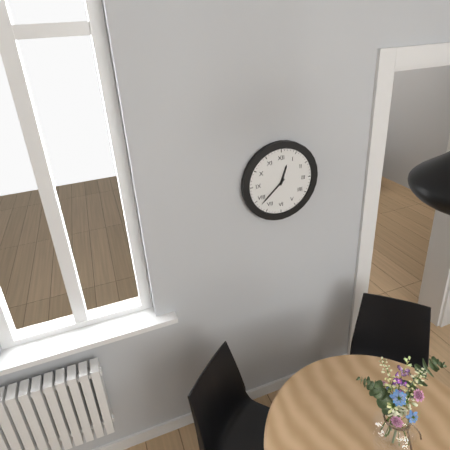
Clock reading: **12:38**
